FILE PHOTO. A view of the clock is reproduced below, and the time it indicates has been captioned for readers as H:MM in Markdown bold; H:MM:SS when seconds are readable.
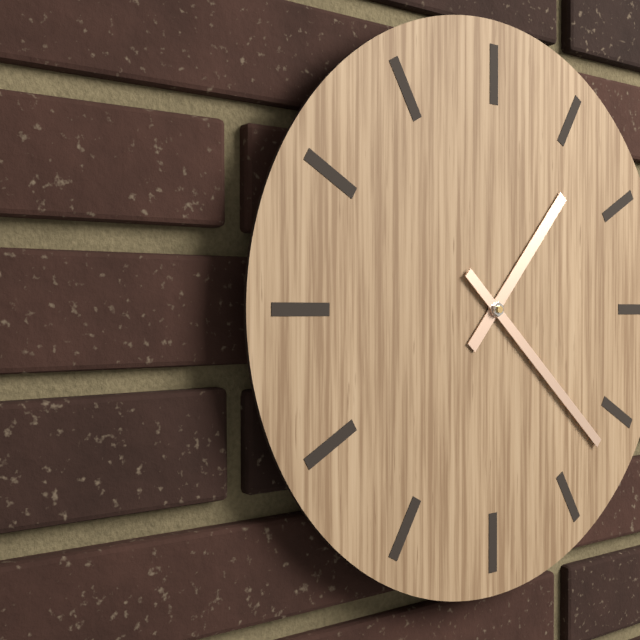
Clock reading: **1:22**
